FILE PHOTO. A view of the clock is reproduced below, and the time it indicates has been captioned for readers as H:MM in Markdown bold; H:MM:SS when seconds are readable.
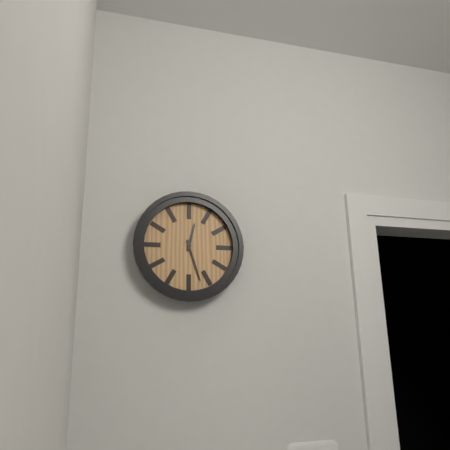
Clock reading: **12:27**
